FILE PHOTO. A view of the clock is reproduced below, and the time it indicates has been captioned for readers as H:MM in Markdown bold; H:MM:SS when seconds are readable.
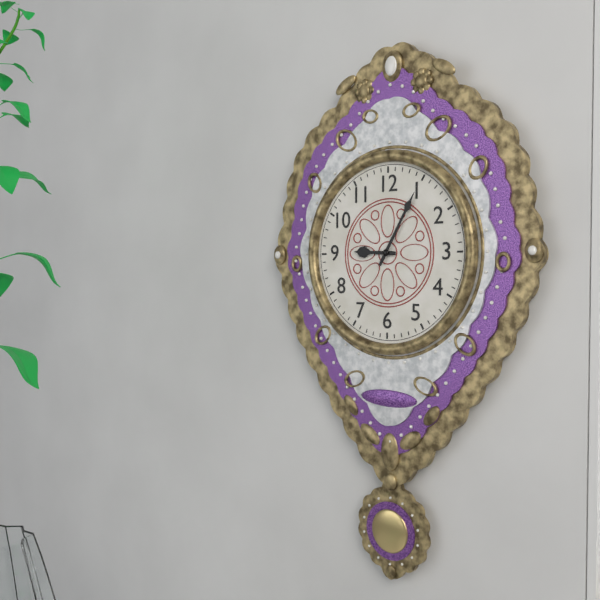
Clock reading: **9:05**
